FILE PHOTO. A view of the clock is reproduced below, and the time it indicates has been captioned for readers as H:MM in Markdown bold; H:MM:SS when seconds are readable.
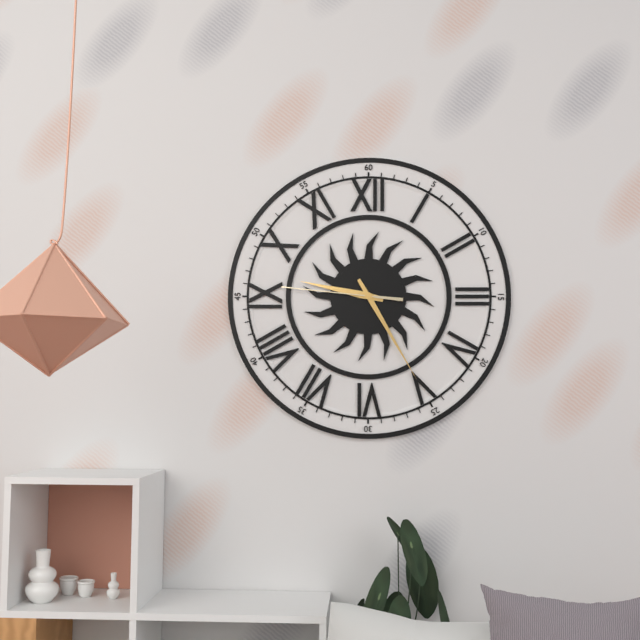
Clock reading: **9:25:46**
